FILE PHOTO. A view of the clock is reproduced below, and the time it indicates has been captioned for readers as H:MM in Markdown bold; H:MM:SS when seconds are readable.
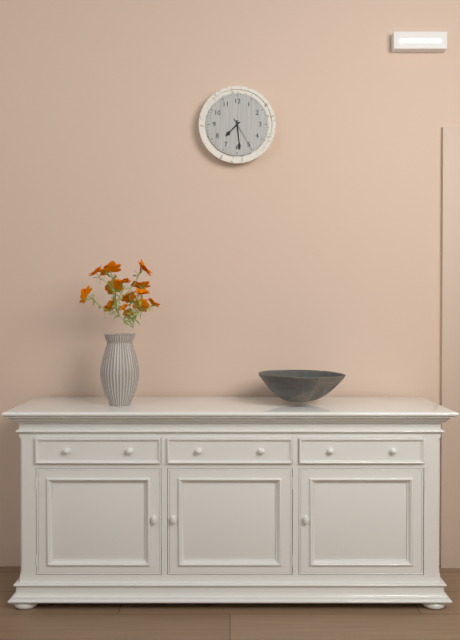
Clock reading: **7:29**
